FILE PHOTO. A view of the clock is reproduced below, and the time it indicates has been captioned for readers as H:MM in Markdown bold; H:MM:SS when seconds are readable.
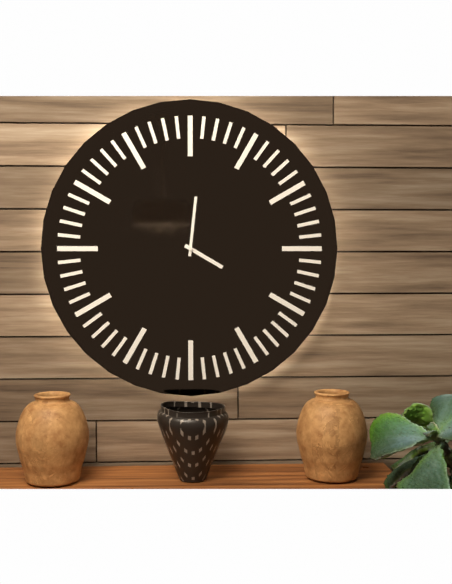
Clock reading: **4:01**
